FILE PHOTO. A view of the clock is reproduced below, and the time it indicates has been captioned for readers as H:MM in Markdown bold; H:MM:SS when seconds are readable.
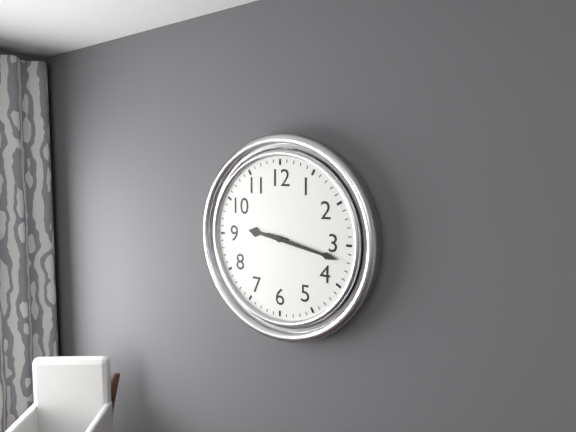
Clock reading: **9:17**
